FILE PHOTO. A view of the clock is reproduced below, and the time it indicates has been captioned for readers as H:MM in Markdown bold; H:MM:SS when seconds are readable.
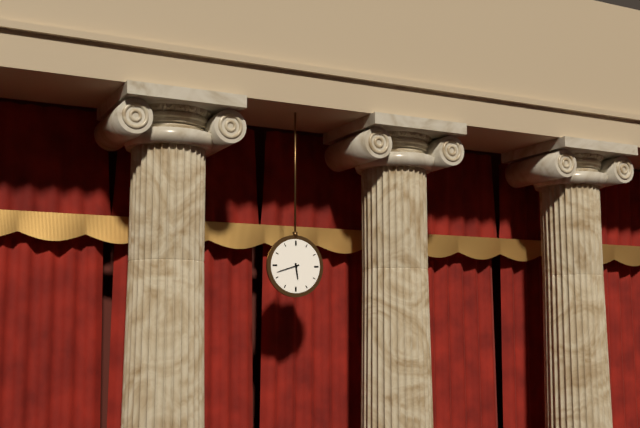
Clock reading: **5:42**
